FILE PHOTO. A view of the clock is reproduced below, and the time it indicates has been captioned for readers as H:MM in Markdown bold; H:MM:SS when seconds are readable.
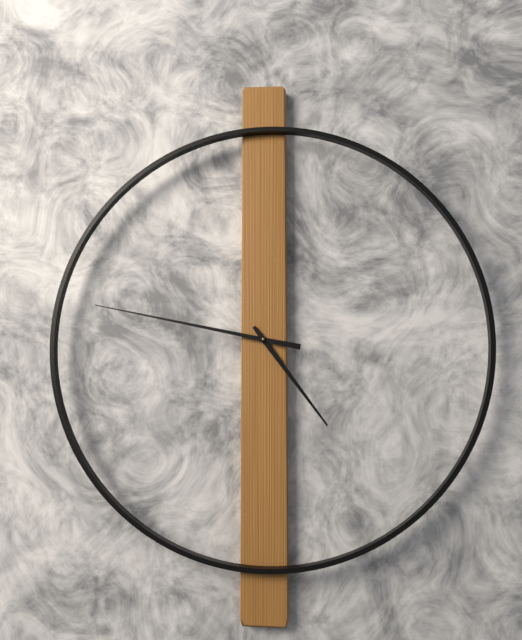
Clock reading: **4:47**
